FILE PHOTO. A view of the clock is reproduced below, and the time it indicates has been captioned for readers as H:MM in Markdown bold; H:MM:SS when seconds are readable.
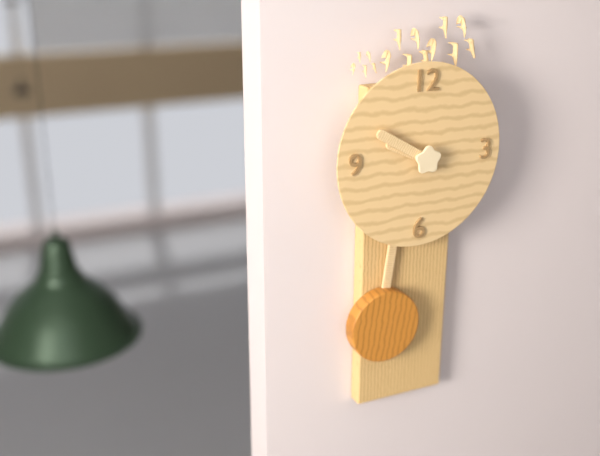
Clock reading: **9:50**
